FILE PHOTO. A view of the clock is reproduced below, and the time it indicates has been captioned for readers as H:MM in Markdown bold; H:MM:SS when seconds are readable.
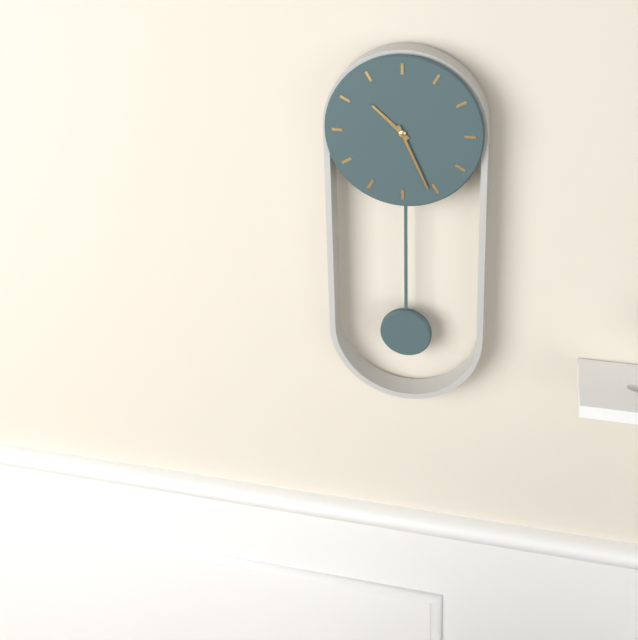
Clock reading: **10:26**
